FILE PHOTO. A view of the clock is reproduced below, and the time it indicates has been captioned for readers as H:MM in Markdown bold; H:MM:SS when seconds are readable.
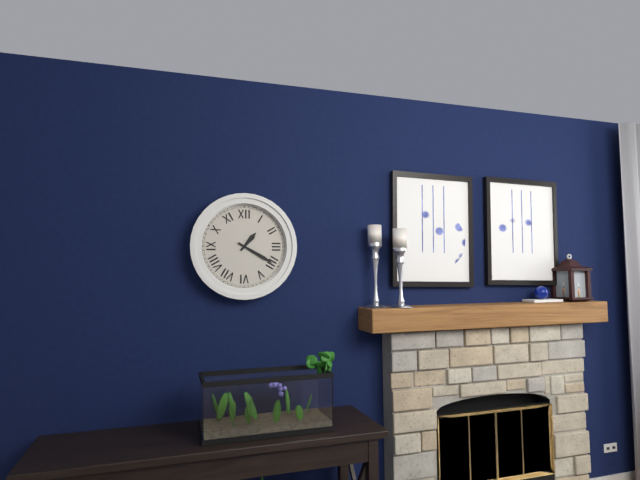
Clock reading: **1:20**
